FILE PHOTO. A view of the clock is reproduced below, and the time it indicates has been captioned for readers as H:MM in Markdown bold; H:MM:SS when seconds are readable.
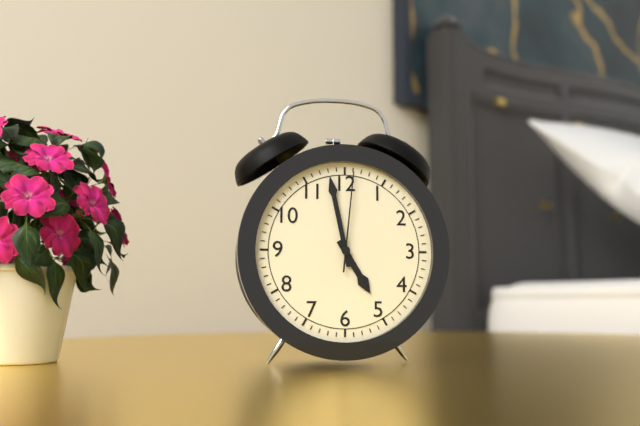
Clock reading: **4:58:01**
